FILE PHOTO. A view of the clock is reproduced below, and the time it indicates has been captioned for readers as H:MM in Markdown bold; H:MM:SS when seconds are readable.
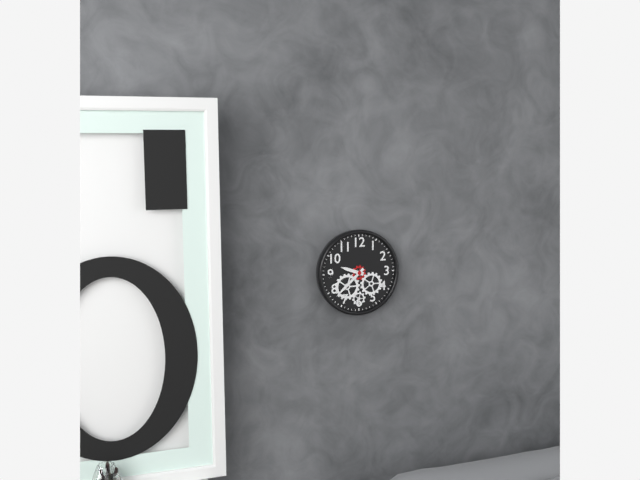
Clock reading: **9:38**
